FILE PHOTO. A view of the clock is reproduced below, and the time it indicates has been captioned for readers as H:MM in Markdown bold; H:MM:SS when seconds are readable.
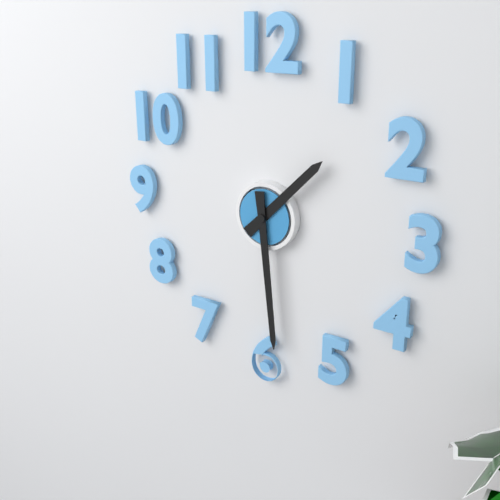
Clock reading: **1:29**
